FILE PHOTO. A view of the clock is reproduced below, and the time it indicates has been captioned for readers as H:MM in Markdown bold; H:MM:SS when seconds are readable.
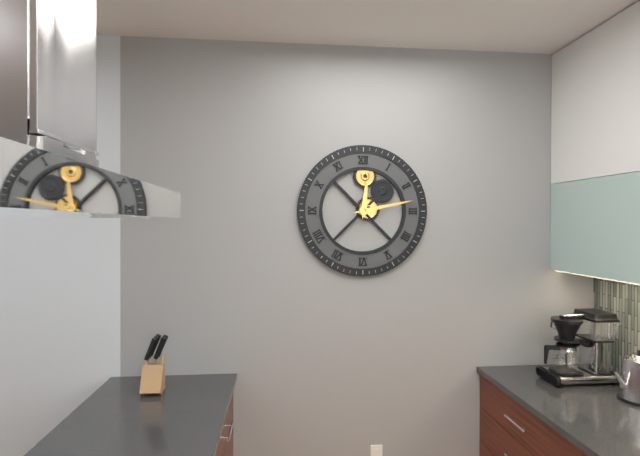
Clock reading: **12:13**
